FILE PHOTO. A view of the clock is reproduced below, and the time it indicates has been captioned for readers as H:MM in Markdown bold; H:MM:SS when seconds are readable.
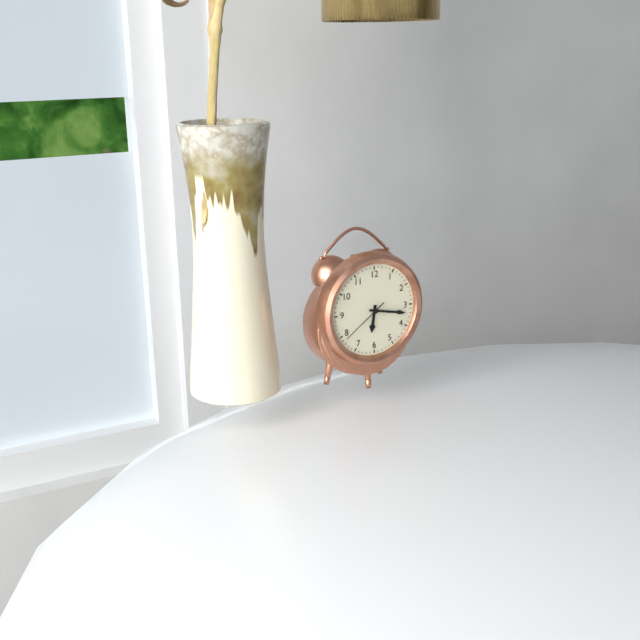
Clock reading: **6:17:39**
